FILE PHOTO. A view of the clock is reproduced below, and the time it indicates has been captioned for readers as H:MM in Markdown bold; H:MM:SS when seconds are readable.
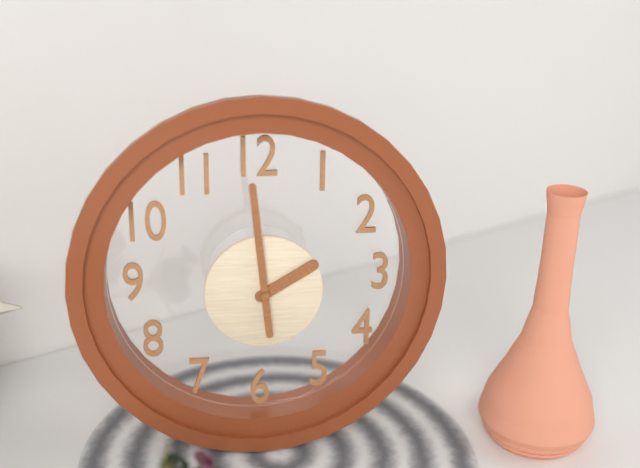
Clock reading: **1:59**
